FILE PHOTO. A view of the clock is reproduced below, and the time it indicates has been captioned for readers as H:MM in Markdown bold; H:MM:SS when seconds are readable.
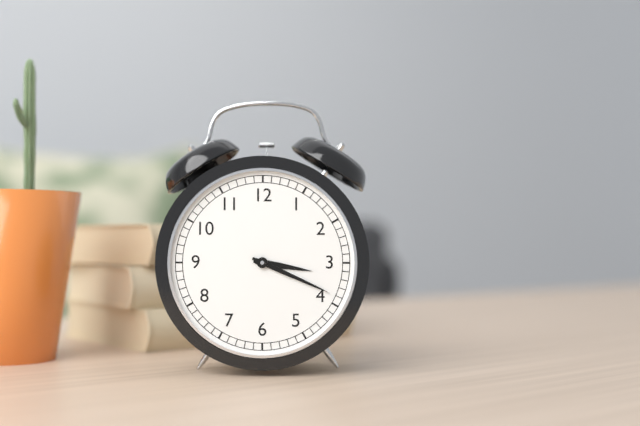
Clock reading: **3:19**
